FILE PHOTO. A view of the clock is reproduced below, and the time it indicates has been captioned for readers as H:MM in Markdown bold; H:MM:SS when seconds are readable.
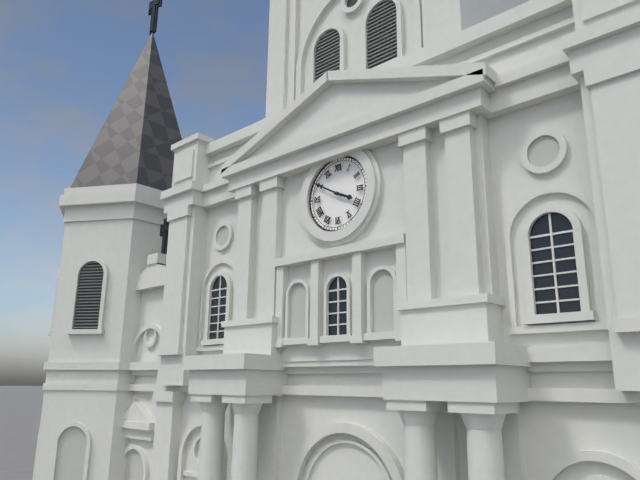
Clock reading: **3:50**
